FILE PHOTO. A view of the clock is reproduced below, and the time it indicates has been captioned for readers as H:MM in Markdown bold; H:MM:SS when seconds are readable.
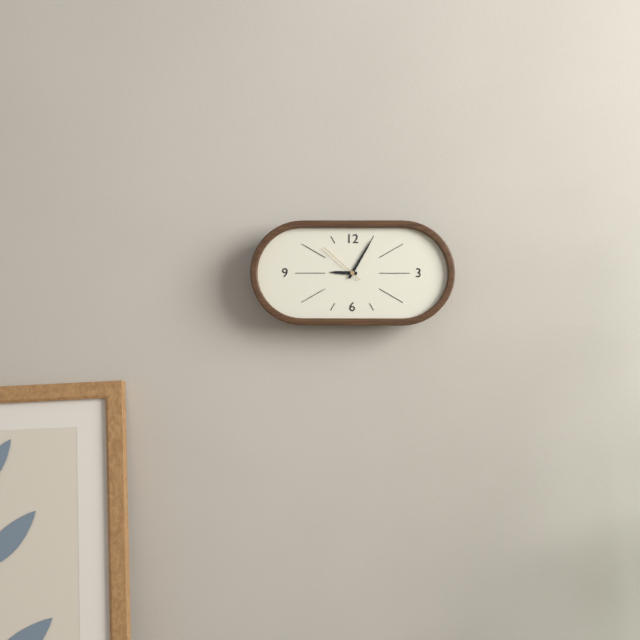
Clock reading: **9:05**
